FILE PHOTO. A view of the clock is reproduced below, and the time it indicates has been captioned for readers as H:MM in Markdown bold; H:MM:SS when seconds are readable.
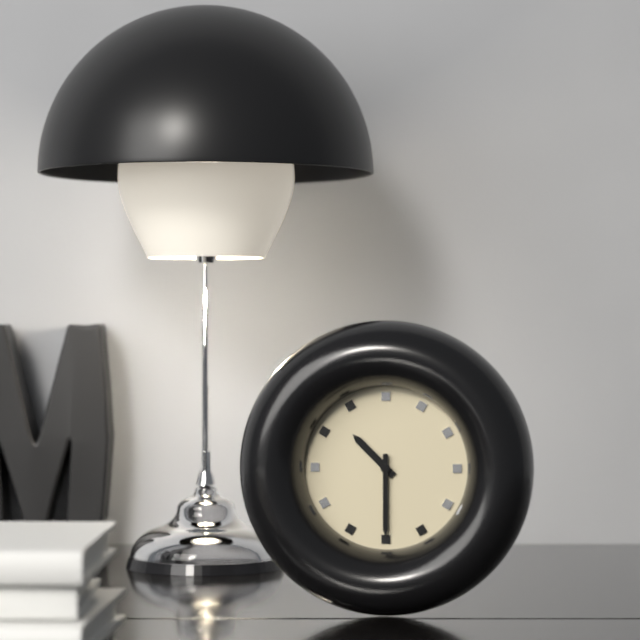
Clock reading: **10:30**
